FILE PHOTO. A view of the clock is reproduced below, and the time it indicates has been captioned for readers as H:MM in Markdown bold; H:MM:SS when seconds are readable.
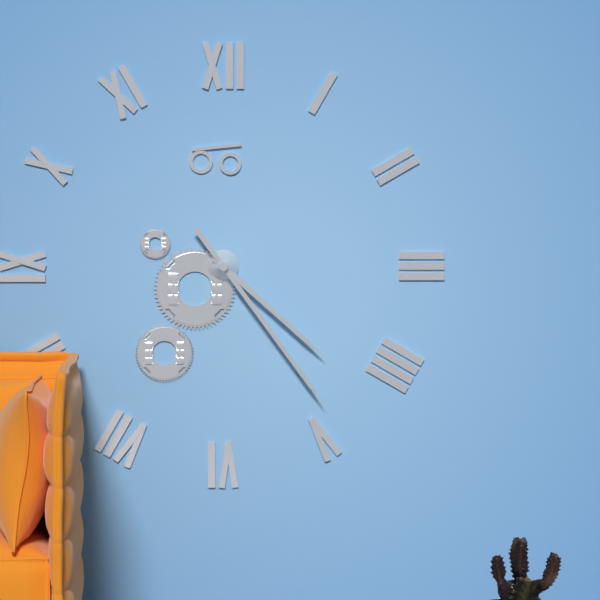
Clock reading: **4:24**
